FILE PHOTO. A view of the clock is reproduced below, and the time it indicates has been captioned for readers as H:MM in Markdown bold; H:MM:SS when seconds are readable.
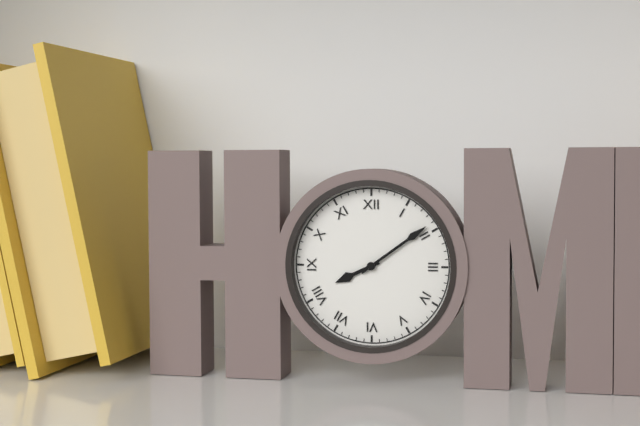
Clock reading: **8:09**
